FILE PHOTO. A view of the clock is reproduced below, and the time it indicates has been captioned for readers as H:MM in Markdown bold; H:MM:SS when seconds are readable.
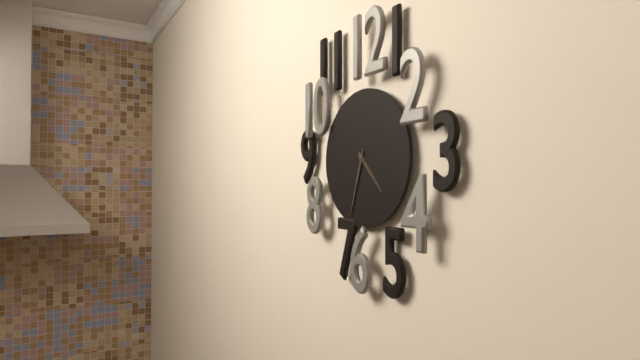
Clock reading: **4:33**
